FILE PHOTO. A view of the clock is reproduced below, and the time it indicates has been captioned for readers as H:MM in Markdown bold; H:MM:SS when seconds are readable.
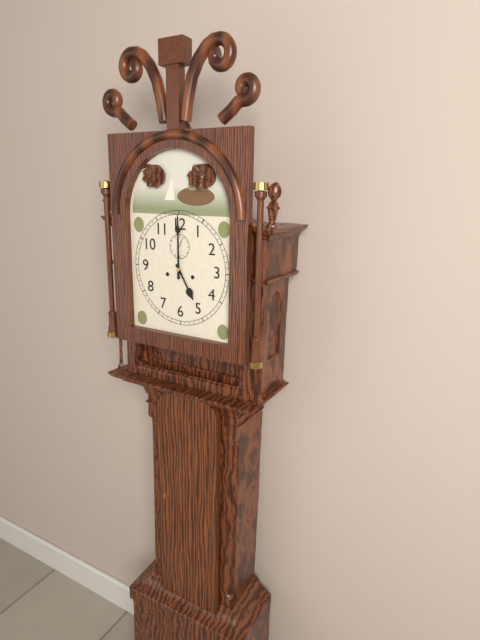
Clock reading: **5:00**
